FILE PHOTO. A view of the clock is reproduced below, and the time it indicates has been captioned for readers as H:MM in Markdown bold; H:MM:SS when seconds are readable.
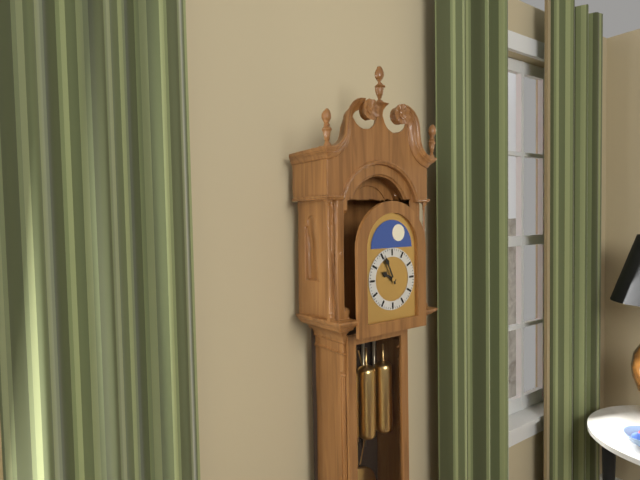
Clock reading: **9:56**
